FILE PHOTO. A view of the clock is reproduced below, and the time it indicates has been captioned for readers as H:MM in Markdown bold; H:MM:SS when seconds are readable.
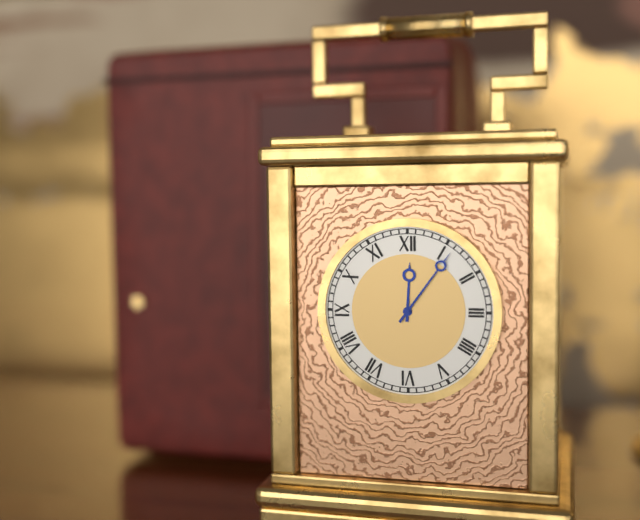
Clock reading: **12:06**
